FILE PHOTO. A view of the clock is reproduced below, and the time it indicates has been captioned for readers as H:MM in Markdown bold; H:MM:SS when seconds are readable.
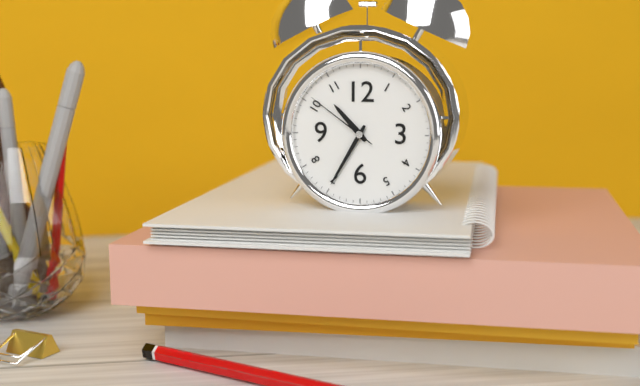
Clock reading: **10:35:51**
